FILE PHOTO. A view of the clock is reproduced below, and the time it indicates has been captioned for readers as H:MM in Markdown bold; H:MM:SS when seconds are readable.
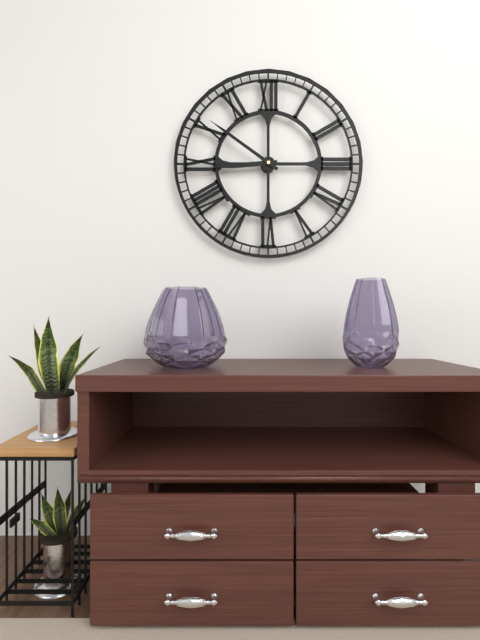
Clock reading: **8:51**
